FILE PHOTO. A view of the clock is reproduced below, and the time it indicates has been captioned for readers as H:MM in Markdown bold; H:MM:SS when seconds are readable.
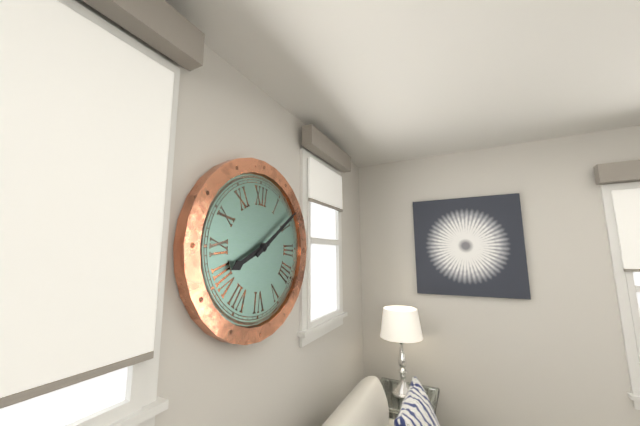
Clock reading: **8:09**
